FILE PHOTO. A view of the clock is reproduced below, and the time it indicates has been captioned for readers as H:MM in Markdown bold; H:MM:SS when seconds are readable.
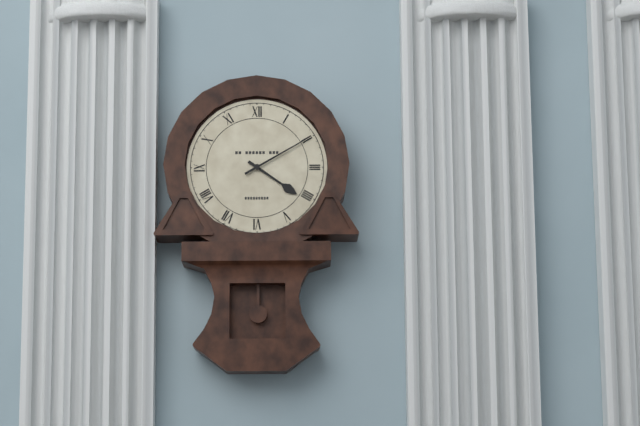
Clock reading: **4:10**
